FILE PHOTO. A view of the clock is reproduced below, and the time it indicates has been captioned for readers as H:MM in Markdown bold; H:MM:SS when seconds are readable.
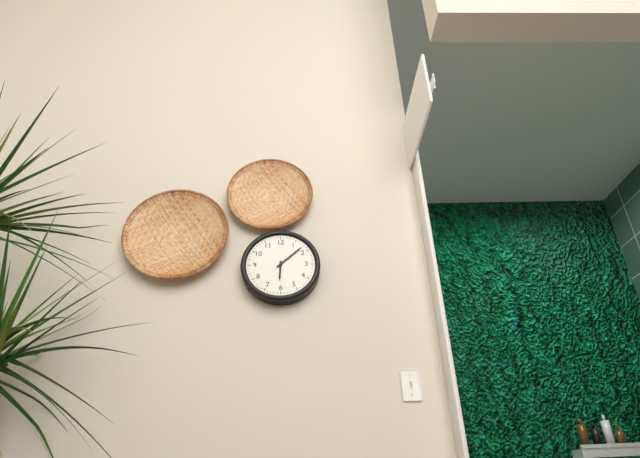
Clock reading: **6:08**
